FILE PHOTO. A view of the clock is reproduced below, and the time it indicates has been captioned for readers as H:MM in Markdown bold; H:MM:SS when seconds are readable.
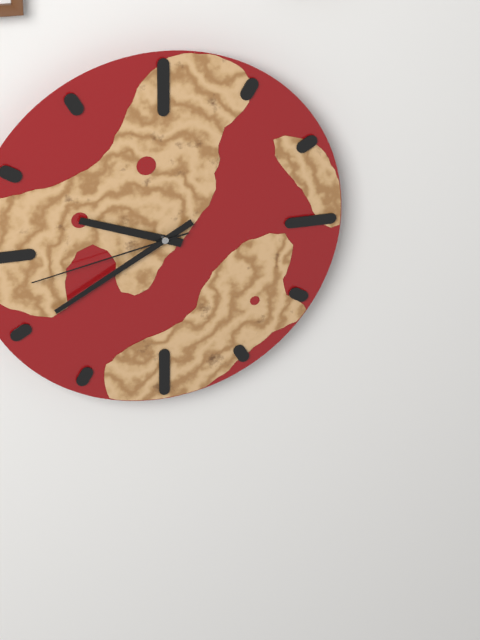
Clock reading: **9:40:43**
